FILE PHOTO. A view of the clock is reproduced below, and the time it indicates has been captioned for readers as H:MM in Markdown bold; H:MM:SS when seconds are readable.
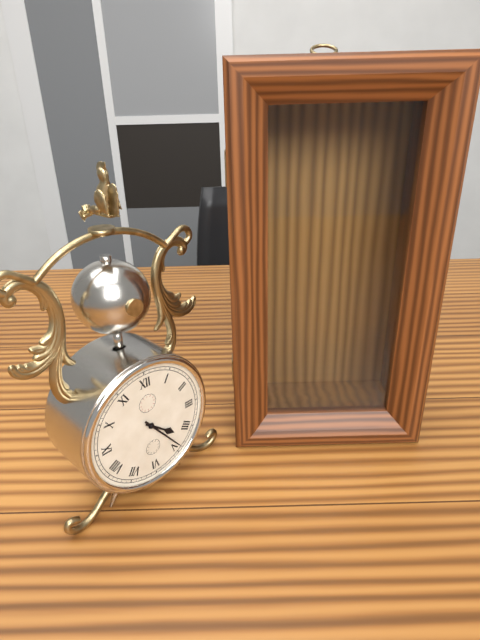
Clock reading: **4:24**
